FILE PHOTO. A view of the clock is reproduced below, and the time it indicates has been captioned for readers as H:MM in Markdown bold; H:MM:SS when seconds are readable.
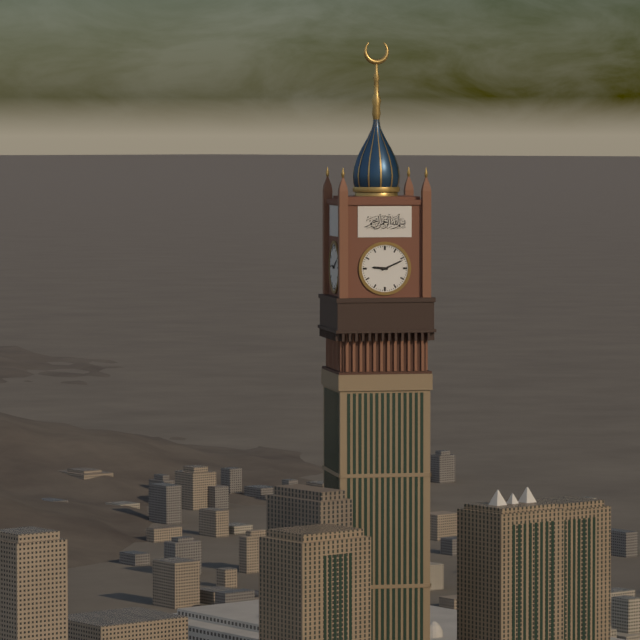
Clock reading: **9:11**
